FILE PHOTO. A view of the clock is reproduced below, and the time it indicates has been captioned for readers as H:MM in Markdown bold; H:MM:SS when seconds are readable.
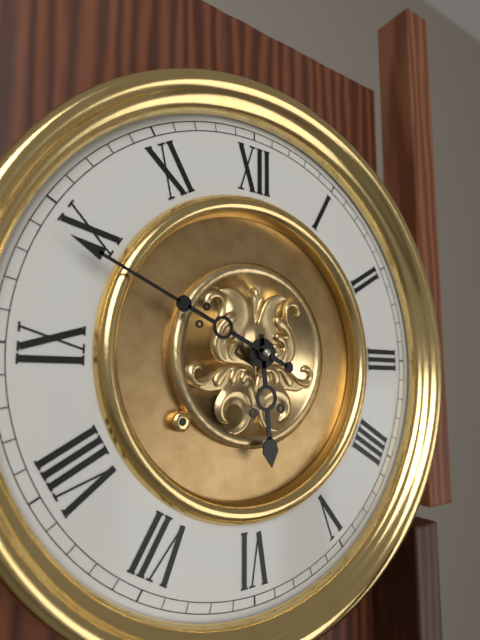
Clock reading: **5:49**
